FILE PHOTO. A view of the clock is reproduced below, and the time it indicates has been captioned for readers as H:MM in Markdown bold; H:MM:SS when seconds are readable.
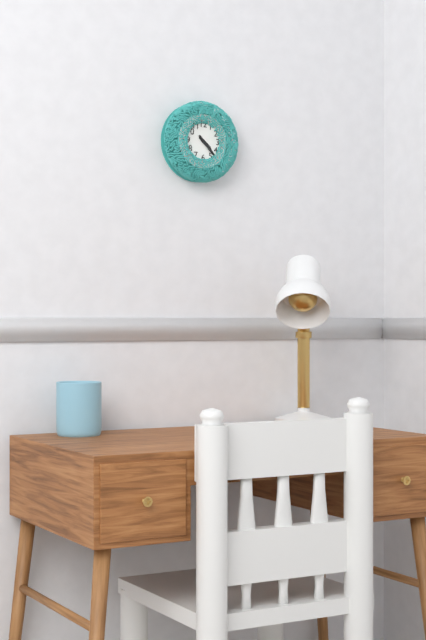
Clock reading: **4:23**
